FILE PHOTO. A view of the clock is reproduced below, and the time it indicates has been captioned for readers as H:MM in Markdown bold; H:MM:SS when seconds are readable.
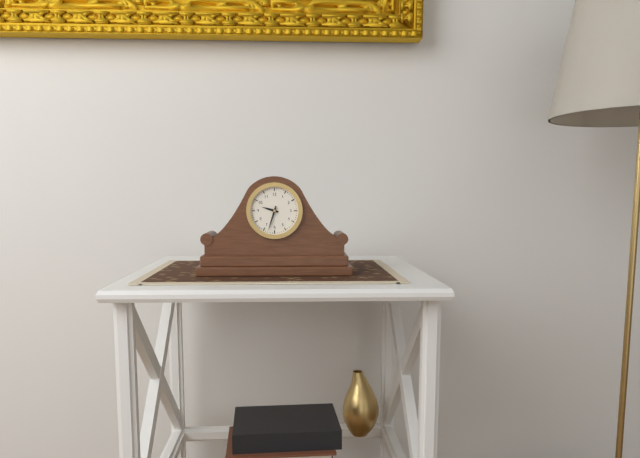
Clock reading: **9:33**
